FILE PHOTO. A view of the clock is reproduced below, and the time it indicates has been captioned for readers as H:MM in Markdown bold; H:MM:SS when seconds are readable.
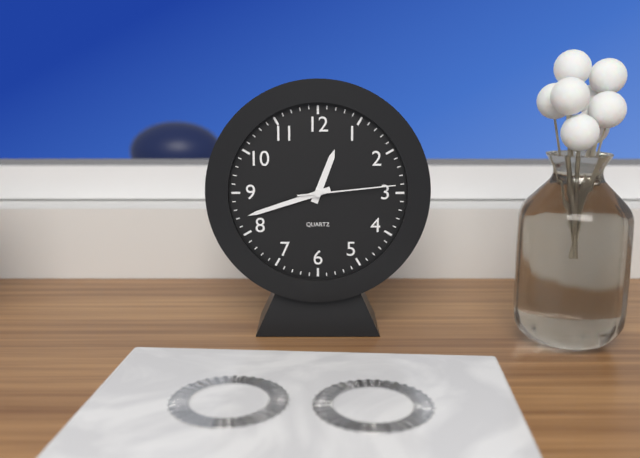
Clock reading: **12:42:14**
